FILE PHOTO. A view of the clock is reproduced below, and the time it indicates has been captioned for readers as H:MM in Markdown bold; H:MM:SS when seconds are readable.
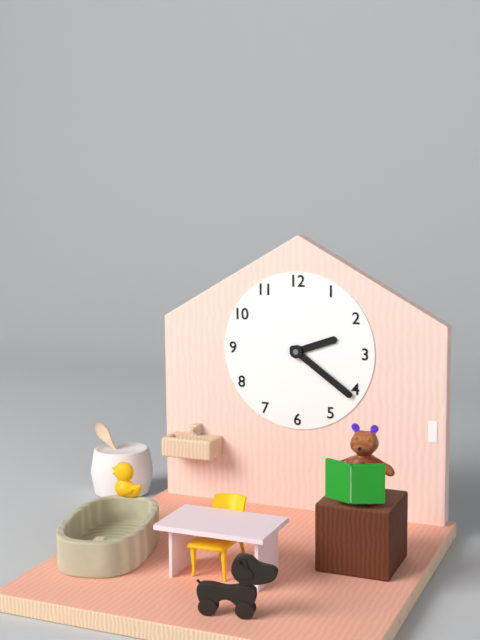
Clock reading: **2:21**
